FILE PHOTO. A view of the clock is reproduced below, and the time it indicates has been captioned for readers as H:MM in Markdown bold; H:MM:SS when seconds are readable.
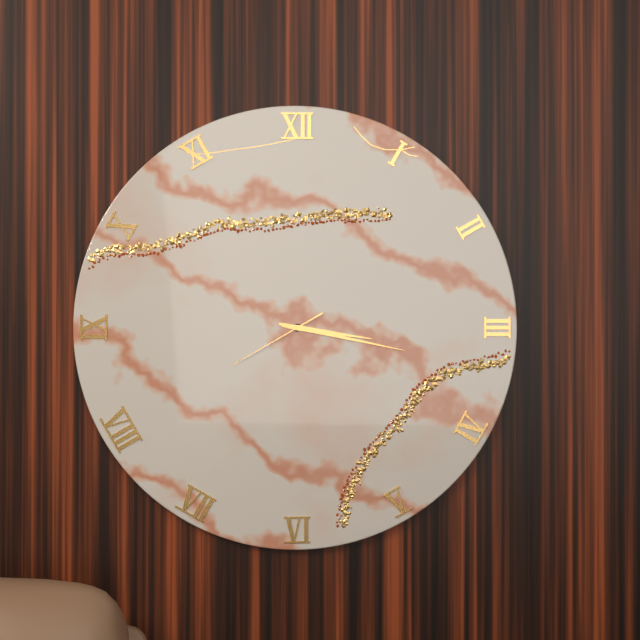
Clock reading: **3:17:40**
